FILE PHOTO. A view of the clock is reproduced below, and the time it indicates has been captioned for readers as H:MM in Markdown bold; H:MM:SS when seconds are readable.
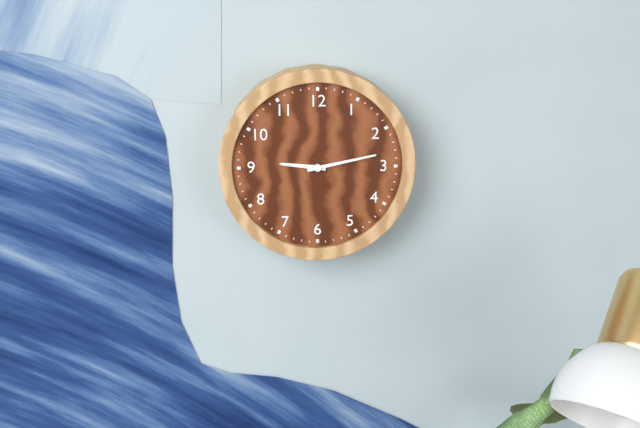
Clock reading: **9:13**
